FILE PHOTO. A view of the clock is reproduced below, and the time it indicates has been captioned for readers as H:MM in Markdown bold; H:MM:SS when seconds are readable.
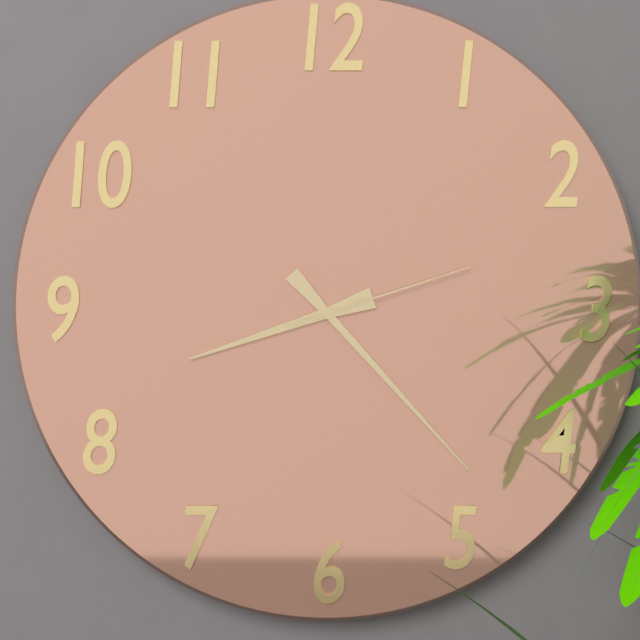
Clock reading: **8:23:12**
